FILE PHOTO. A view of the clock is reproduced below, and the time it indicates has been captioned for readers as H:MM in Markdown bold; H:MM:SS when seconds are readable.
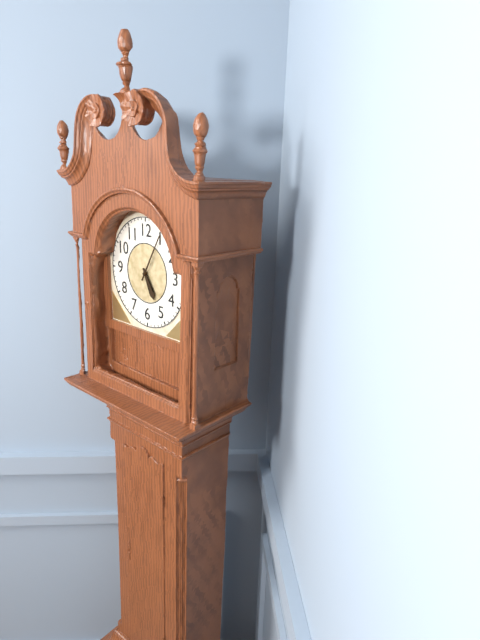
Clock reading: **5:05**
